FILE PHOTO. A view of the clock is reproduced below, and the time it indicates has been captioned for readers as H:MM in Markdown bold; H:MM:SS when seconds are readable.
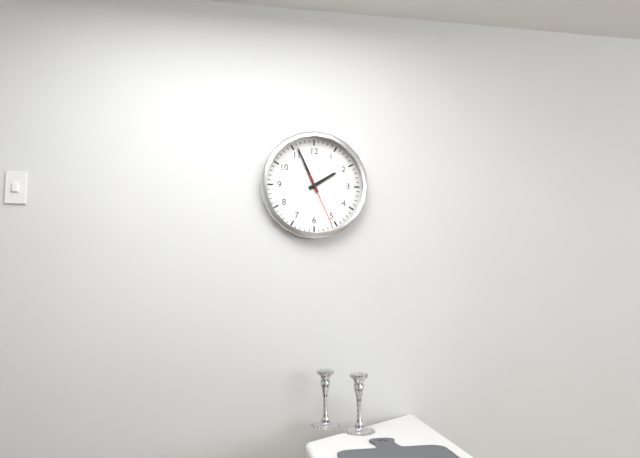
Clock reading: **1:56:26**
